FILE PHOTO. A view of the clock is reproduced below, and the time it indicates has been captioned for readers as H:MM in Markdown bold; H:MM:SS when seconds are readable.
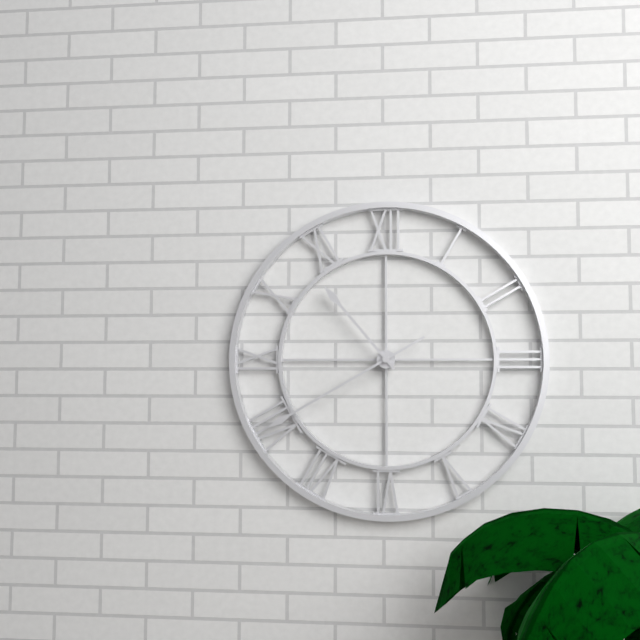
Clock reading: **10:40**
